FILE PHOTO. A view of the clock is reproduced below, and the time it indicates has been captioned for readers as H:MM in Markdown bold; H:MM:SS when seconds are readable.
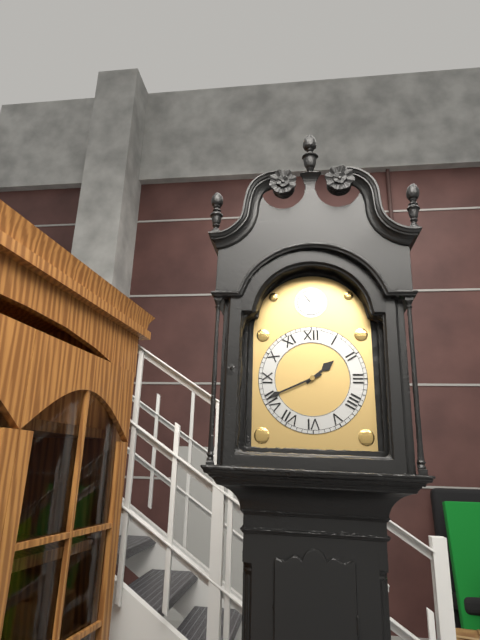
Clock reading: **1:41**
